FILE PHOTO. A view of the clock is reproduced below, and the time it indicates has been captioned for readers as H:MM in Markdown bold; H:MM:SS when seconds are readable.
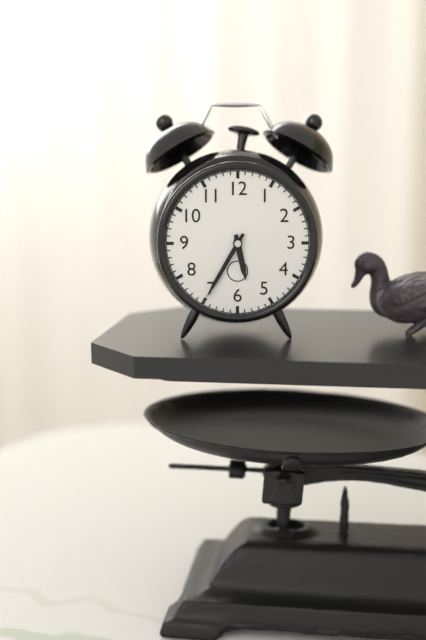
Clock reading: **5:35**
